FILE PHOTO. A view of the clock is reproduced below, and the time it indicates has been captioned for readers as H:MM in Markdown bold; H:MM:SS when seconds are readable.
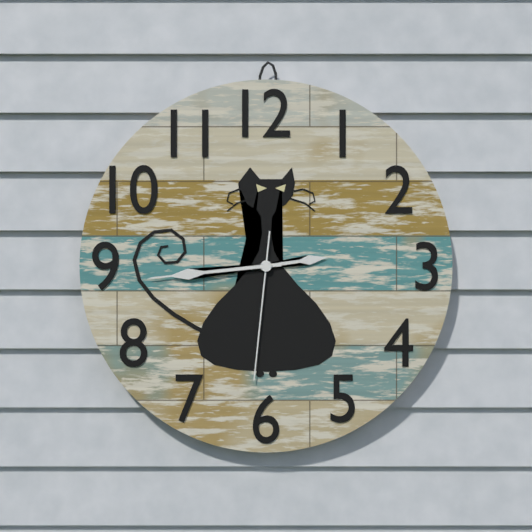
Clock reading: **2:44:31**
